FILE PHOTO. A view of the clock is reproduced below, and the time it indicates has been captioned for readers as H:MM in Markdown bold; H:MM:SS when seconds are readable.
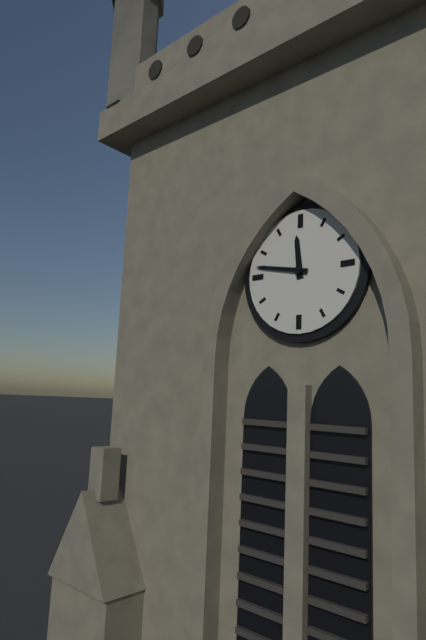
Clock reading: **11:47**
